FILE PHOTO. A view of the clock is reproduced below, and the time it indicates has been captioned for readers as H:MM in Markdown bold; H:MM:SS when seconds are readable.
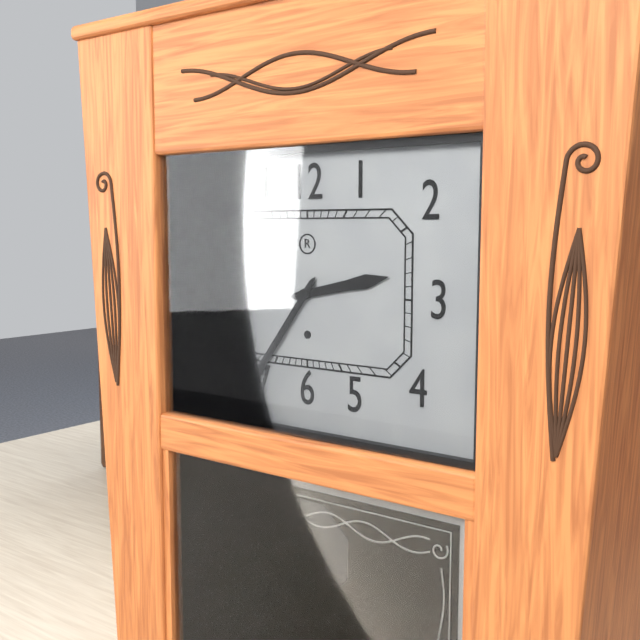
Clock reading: **2:36**
